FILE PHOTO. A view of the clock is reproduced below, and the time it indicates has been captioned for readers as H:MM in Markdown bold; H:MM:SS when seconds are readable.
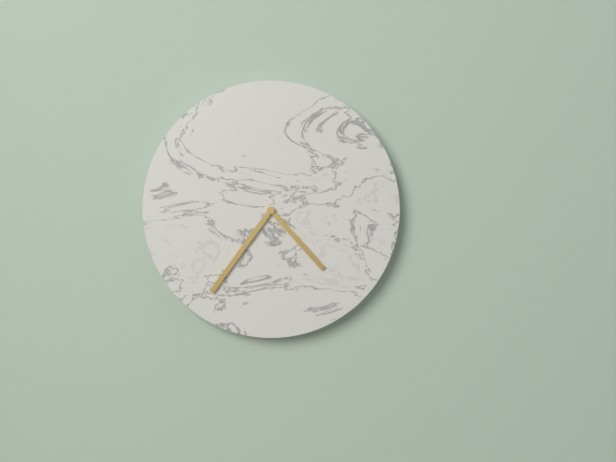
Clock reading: **4:36**
